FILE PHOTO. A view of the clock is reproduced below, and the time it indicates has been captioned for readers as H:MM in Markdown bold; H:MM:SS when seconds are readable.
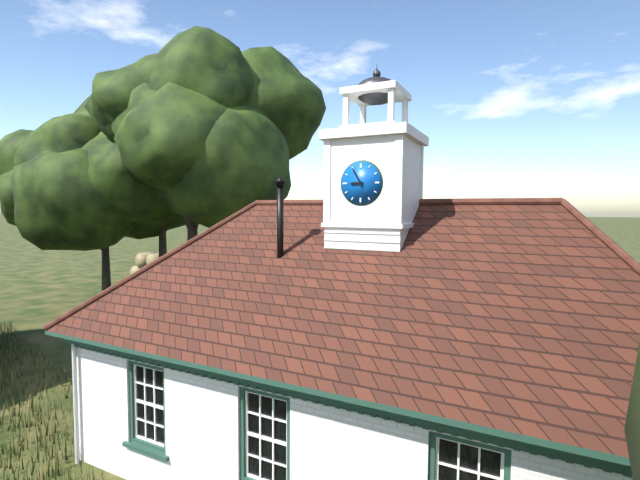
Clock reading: **8:55**
